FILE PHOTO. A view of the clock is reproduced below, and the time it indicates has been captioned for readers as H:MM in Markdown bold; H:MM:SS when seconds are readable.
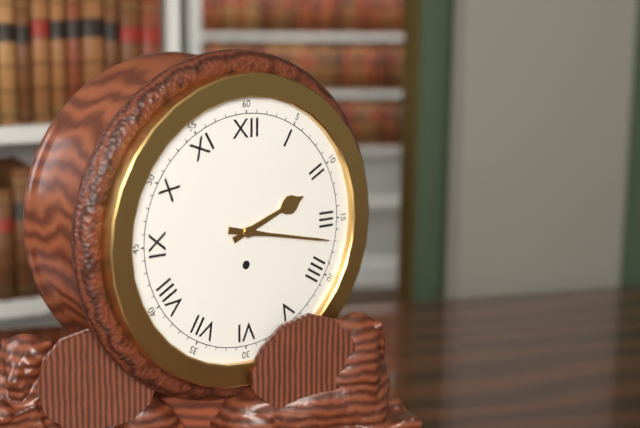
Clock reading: **2:17**
